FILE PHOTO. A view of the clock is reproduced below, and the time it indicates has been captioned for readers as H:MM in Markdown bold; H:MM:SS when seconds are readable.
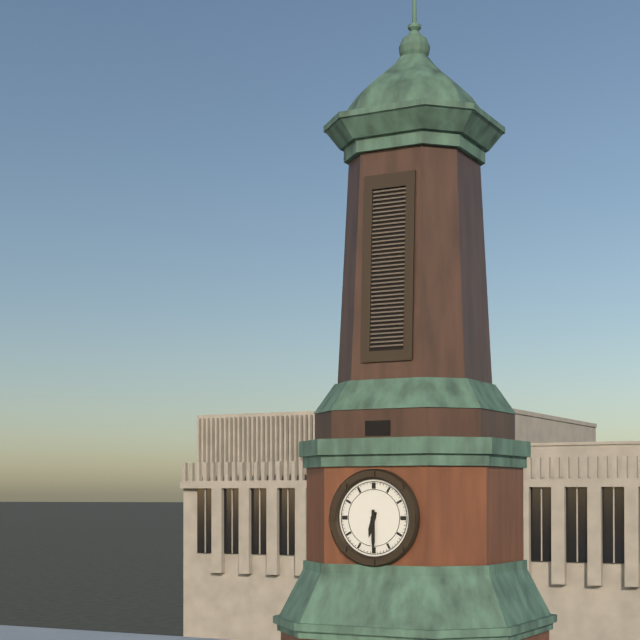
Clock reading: **6:30**
